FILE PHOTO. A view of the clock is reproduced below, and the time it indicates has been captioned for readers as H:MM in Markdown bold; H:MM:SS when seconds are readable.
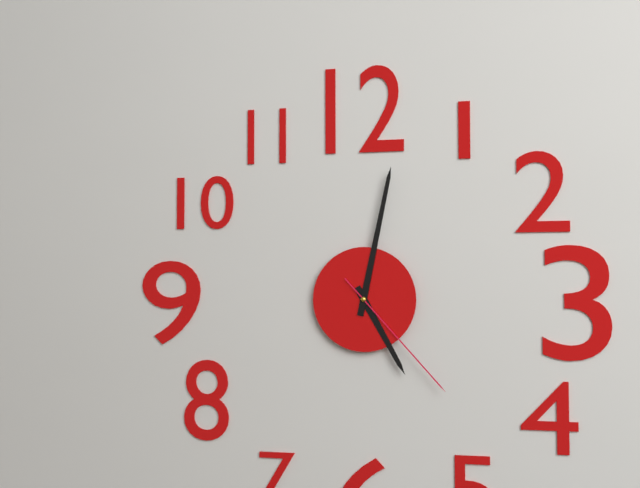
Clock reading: **5:02:23**
